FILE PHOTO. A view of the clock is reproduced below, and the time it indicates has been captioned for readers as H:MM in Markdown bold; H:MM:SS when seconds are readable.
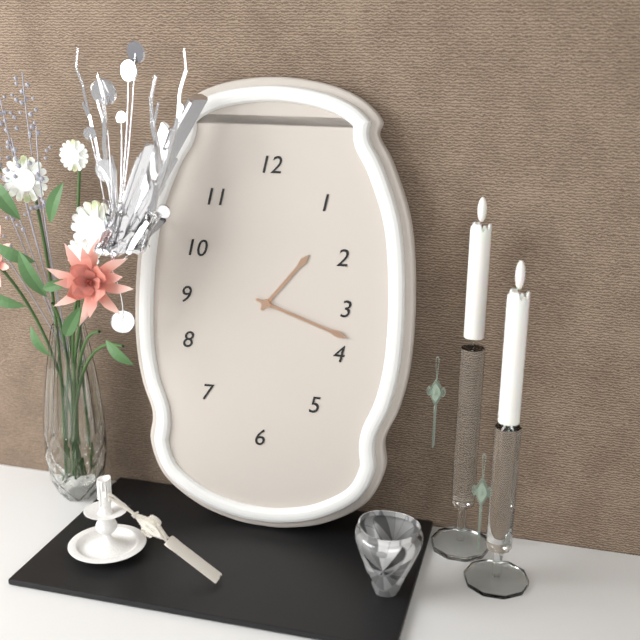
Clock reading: **1:18**
